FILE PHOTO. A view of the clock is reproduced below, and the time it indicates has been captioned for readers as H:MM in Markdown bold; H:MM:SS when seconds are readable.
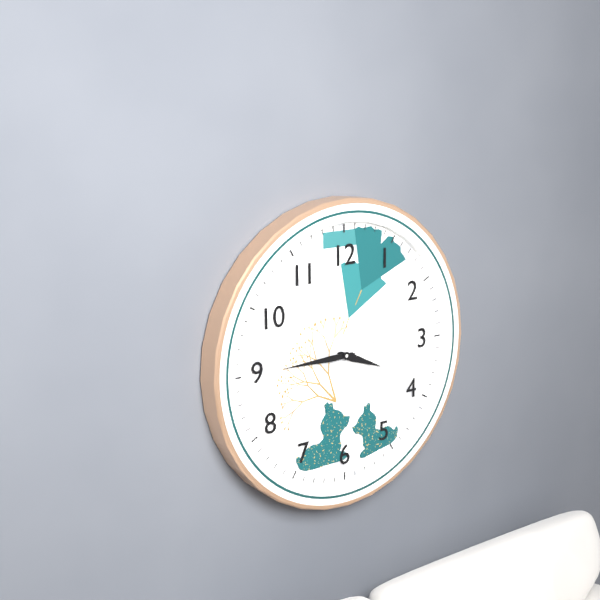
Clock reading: **3:45**
